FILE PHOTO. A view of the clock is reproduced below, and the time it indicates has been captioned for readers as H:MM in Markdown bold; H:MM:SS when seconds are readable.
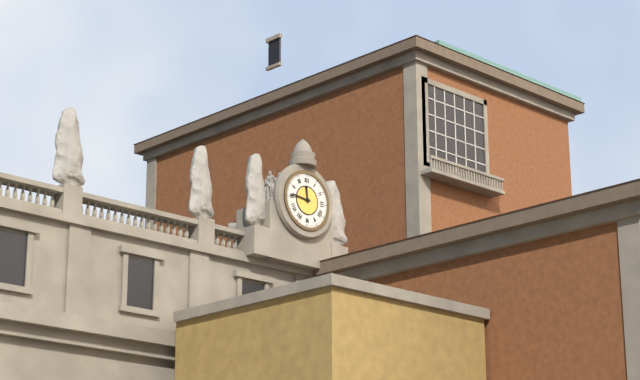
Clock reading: **11:46**
